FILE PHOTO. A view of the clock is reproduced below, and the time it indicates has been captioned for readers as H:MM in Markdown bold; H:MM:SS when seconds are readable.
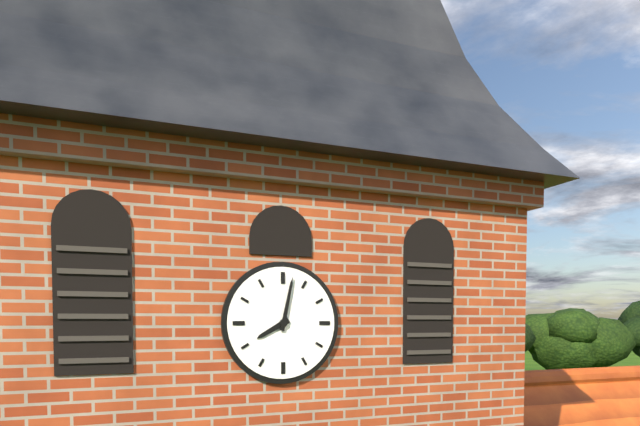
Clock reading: **8:02**
